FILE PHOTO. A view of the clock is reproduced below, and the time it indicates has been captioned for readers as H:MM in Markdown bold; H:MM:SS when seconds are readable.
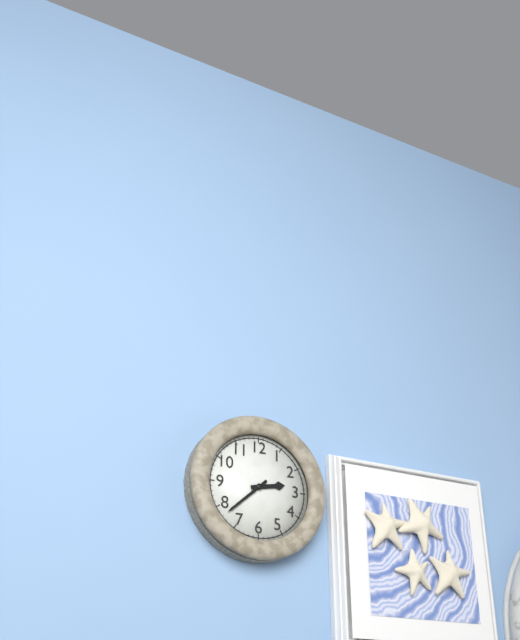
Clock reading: **2:38**
